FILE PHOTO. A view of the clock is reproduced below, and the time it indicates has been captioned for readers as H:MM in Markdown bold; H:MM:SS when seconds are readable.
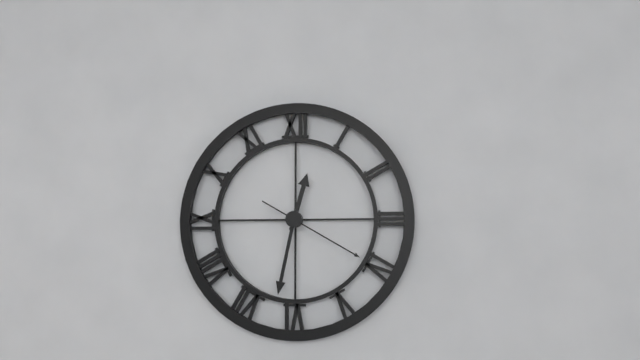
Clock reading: **12:32:20**
